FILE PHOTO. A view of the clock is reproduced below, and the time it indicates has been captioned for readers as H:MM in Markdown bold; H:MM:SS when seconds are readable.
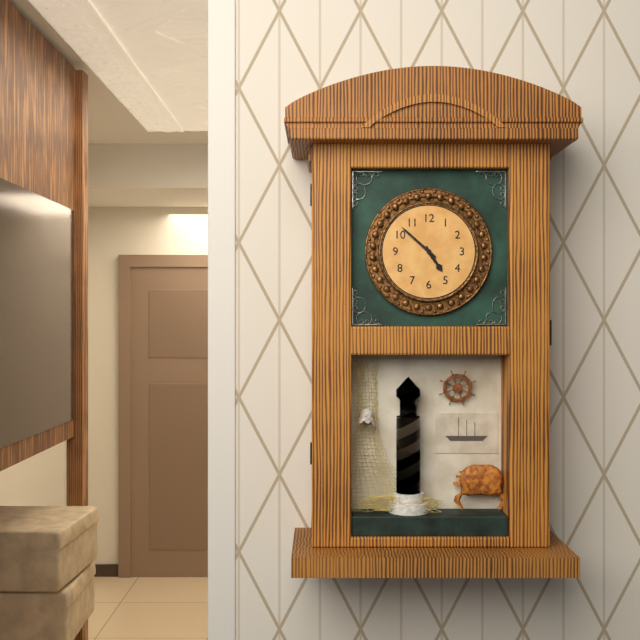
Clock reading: **4:52**
